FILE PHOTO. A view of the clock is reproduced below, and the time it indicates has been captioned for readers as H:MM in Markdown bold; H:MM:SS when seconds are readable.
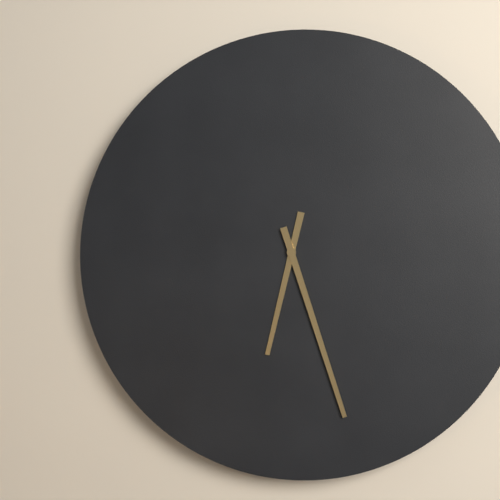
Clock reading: **6:27**
